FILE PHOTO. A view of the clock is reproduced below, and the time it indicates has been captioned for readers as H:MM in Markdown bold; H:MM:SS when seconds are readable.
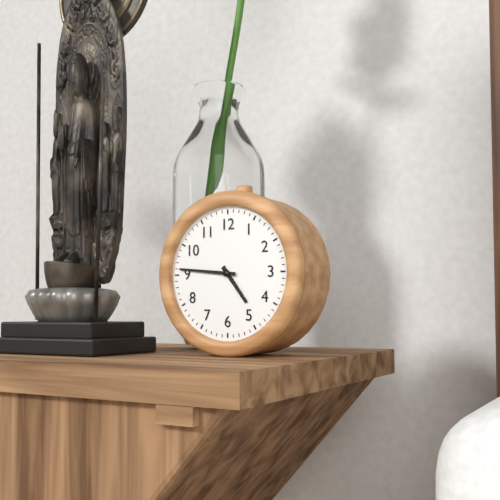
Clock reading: **4:46**
